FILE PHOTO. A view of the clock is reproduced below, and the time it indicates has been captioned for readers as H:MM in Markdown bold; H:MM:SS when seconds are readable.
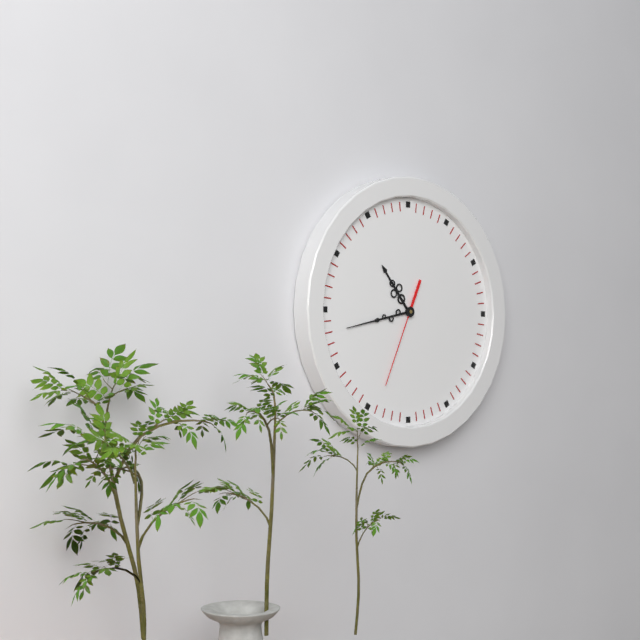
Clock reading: **10:43:34**
